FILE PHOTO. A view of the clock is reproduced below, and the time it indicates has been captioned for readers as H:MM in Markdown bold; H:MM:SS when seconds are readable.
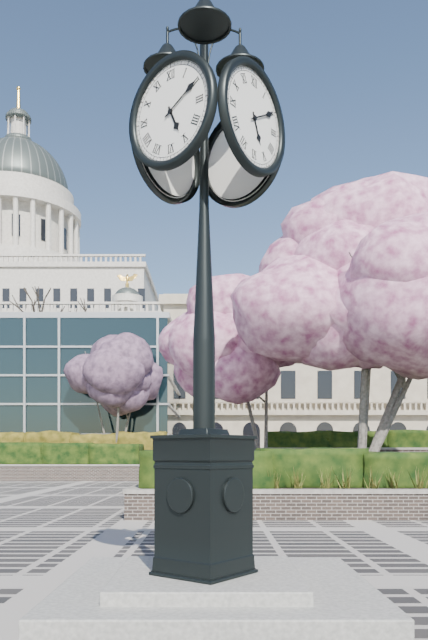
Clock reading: **5:10**
